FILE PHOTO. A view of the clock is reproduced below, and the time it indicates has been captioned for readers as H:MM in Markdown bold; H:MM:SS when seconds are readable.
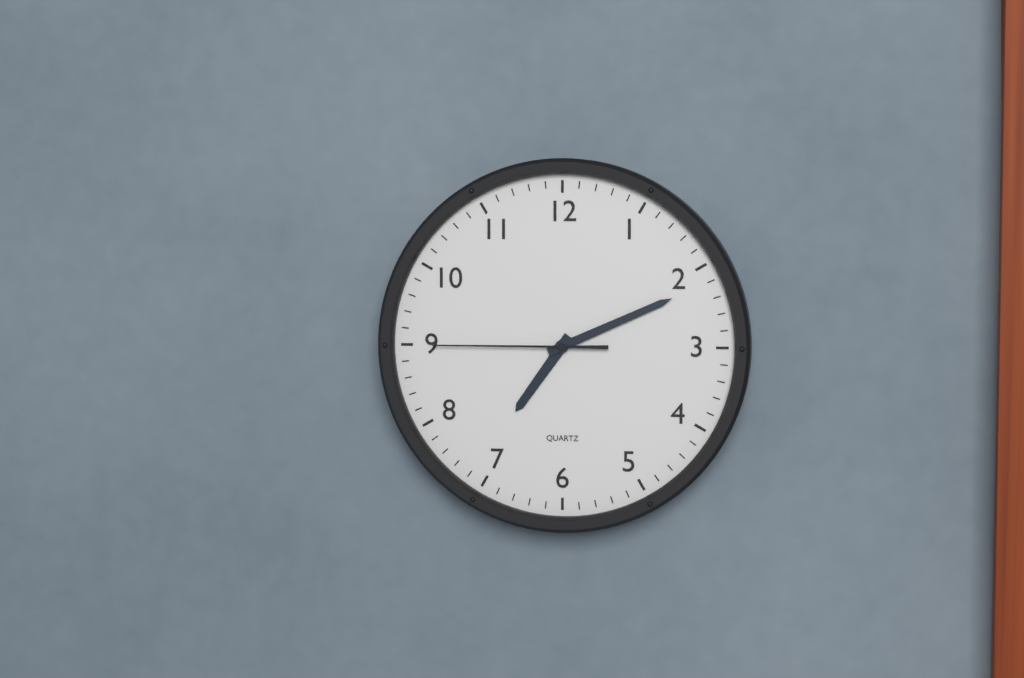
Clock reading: **7:11:45**
